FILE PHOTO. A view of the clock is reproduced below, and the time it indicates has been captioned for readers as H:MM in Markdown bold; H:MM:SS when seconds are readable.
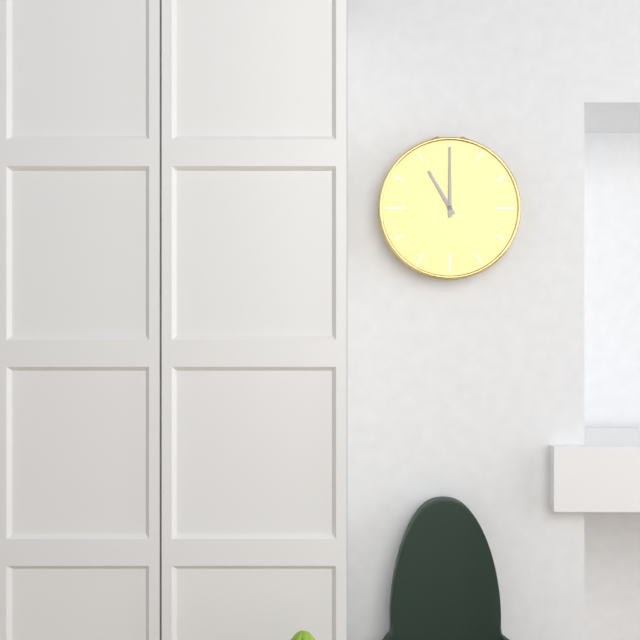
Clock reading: **11:00**
